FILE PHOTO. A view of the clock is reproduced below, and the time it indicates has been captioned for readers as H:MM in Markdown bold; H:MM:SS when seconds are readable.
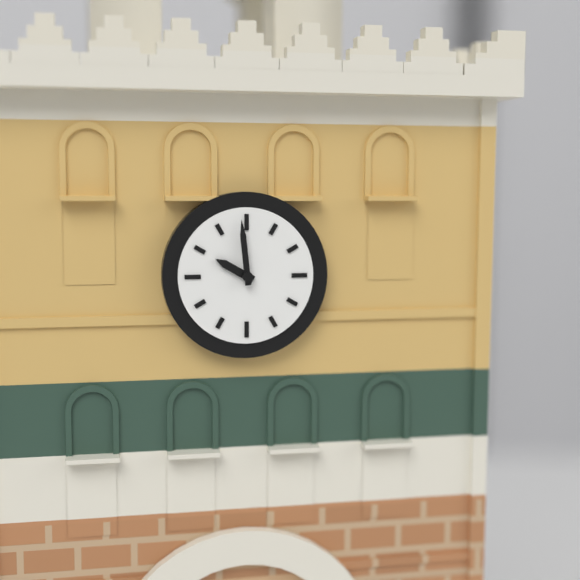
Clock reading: **9:59**
